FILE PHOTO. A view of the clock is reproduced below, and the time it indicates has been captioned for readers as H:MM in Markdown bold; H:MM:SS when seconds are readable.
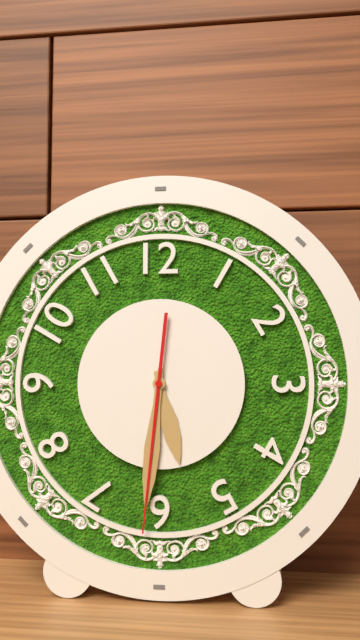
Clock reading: **5:31:31**
